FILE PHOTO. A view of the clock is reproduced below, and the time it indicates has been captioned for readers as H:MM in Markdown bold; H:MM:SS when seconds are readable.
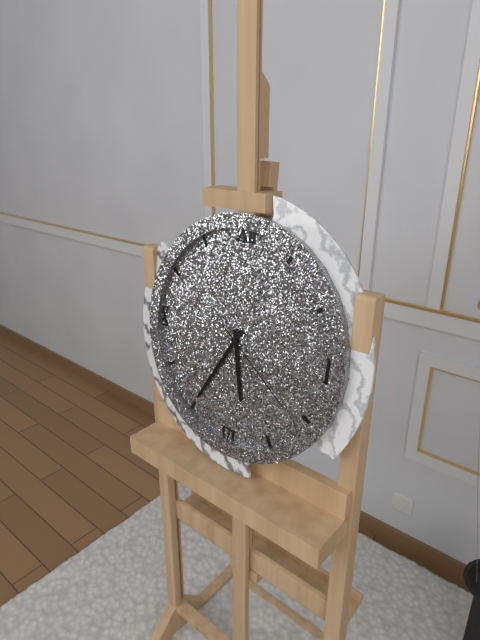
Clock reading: **5:35:21**
